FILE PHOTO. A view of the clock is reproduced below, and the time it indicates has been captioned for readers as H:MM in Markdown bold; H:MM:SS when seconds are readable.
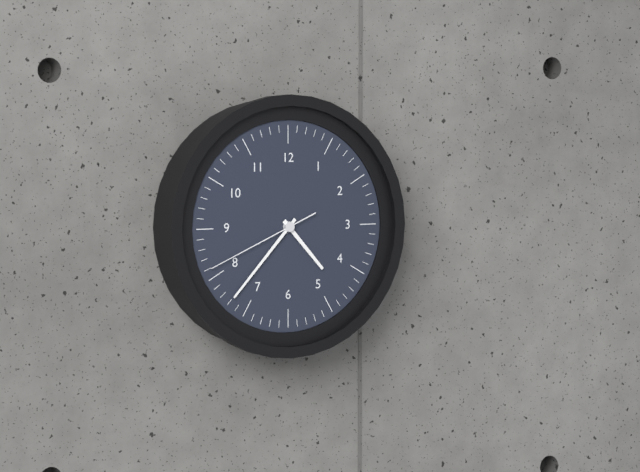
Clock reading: **4:37:41**
